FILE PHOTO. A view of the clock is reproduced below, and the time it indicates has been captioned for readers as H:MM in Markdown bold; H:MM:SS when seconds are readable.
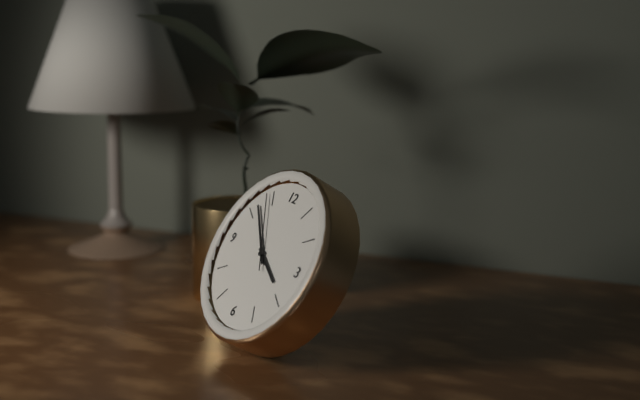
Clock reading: **3:52:54**
